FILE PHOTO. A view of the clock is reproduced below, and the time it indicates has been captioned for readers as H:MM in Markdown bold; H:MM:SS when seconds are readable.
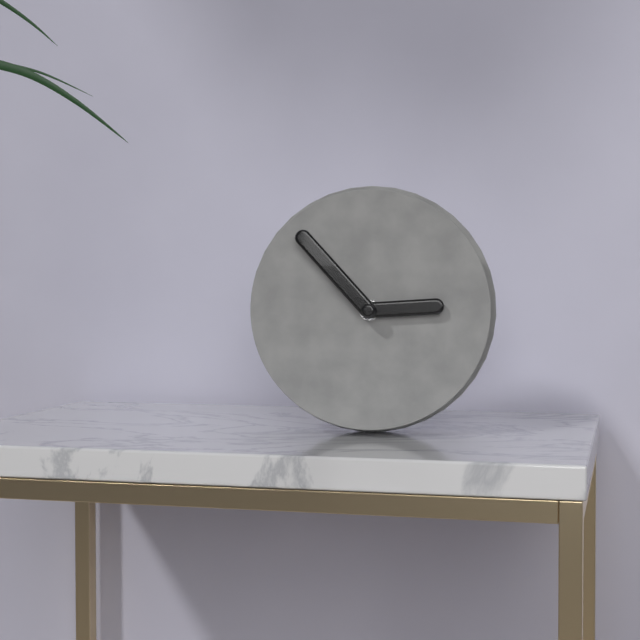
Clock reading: **2:53**
